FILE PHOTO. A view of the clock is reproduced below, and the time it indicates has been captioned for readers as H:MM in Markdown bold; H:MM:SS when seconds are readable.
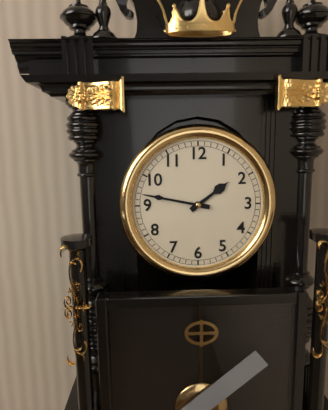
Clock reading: **1:47**
